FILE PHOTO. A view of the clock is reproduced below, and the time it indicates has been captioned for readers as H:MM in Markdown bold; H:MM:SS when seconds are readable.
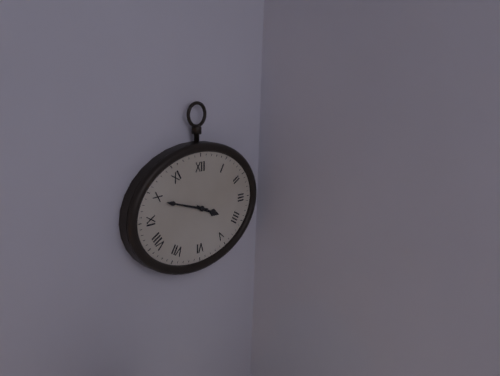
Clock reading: **3:48**
